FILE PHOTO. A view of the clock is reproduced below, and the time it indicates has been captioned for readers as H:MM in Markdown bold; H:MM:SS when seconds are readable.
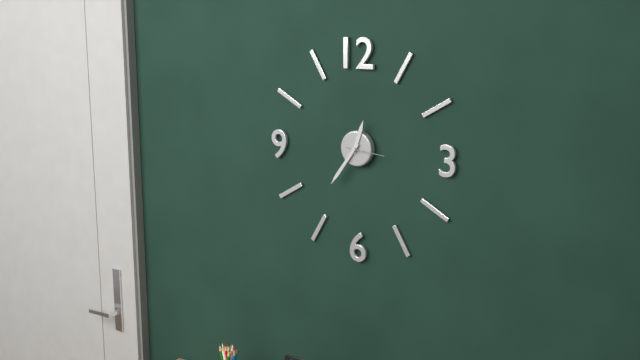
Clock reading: **12:36**
